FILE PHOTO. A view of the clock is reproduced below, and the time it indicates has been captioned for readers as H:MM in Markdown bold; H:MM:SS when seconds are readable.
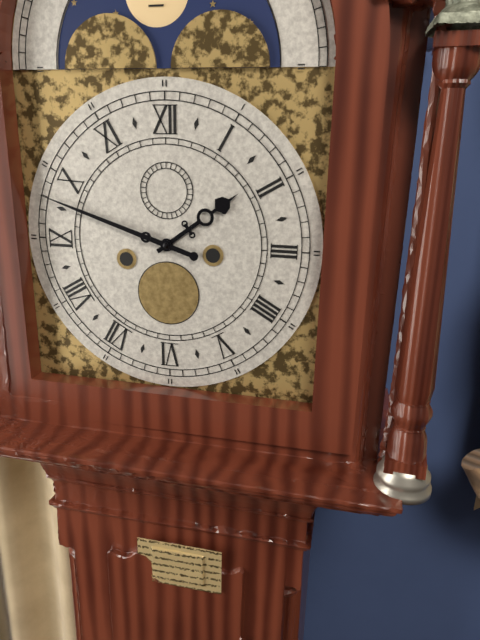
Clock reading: **1:48**
